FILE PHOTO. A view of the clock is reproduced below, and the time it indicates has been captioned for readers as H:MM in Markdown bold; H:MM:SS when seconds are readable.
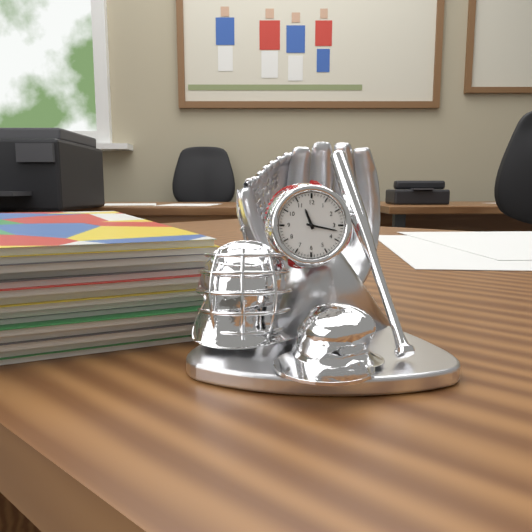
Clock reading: **11:17**
